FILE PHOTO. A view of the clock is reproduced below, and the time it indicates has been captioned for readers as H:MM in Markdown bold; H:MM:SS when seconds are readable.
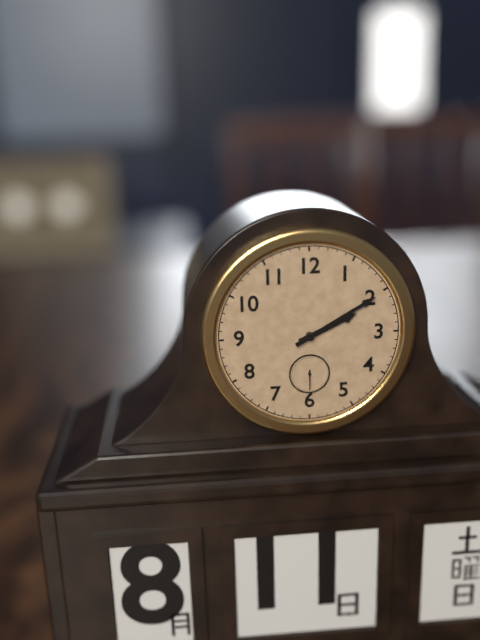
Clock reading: **2:10**
